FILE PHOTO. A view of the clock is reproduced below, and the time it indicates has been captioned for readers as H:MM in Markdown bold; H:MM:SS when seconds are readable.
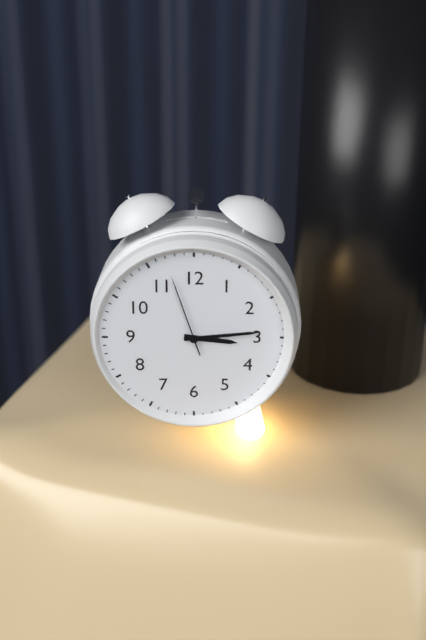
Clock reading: **3:14:57**
